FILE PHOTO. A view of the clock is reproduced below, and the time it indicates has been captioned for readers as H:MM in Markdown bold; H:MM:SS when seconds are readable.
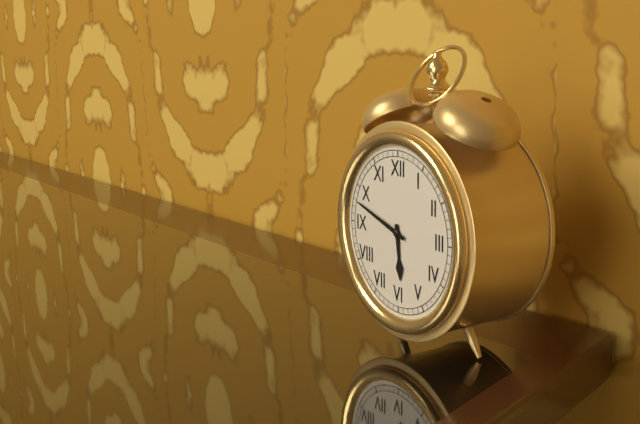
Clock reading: **5:48**
